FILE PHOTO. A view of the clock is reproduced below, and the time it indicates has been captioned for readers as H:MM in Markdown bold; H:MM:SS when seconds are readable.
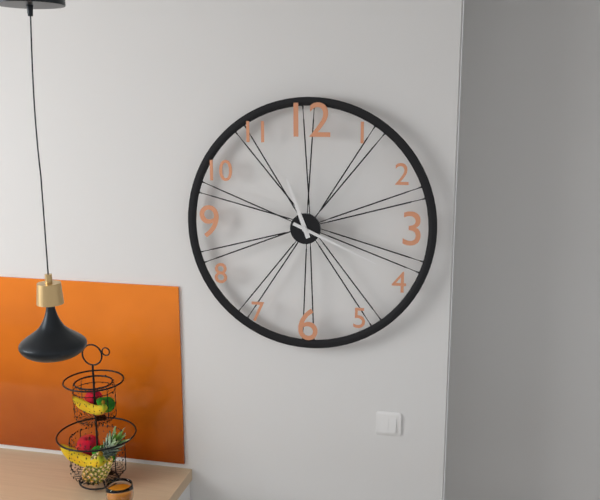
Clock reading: **11:19**
